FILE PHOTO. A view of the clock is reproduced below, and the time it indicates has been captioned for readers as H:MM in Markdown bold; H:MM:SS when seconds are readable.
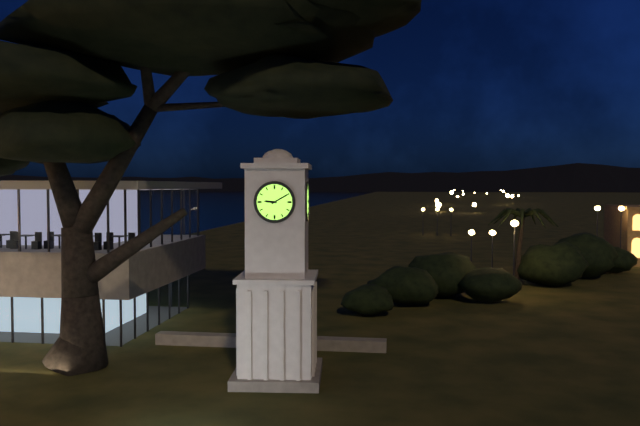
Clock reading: **9:10**
